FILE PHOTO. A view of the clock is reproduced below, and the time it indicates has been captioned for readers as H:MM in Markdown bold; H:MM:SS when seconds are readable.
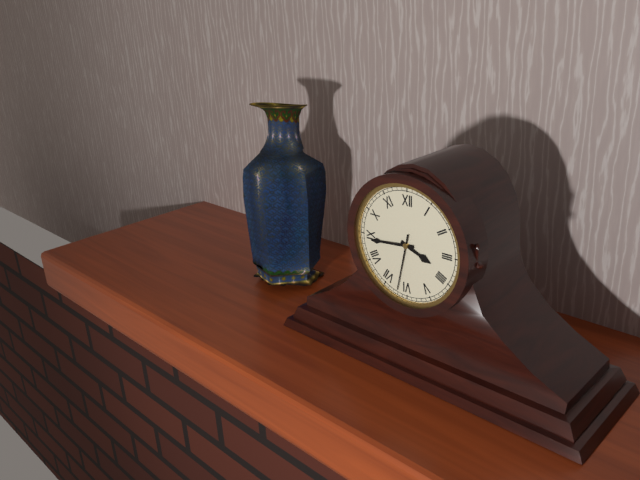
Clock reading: **3:44:32**
